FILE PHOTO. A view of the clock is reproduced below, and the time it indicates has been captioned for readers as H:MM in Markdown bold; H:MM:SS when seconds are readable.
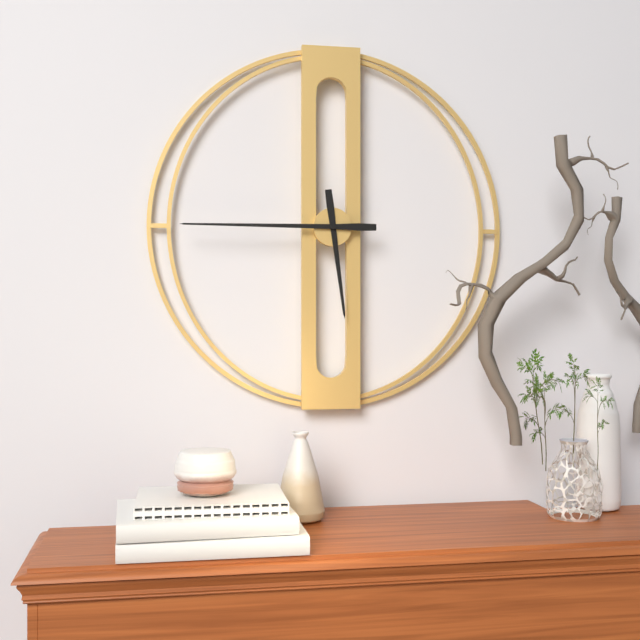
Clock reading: **5:45**
